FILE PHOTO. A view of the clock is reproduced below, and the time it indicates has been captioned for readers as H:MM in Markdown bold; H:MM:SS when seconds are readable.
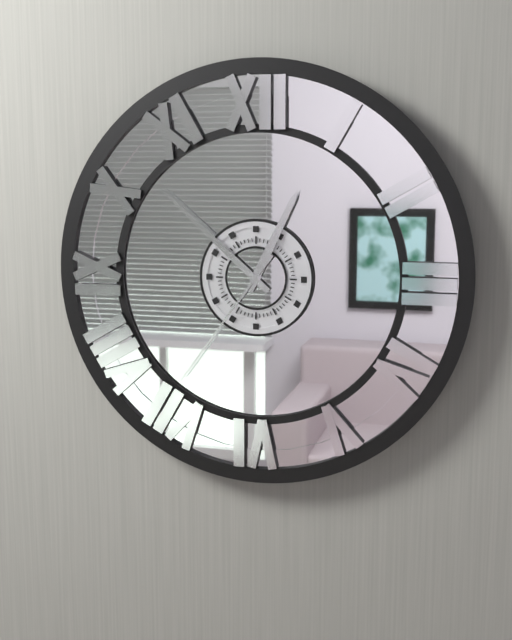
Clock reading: **12:52:36**
